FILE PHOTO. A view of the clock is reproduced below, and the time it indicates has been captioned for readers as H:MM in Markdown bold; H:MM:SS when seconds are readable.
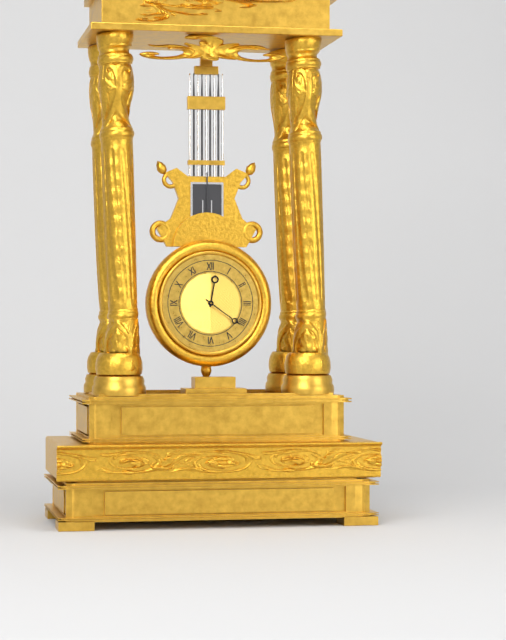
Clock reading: **12:21**
